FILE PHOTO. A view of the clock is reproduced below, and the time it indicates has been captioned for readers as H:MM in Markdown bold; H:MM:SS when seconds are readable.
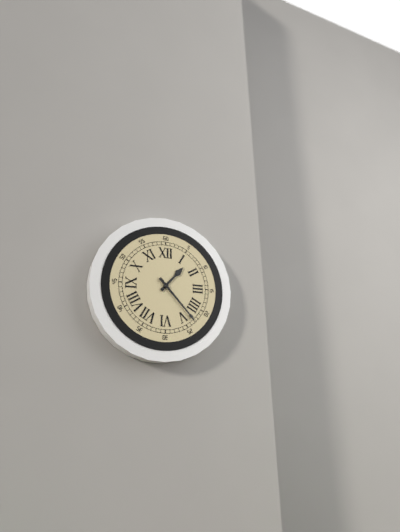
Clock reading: **1:23**
